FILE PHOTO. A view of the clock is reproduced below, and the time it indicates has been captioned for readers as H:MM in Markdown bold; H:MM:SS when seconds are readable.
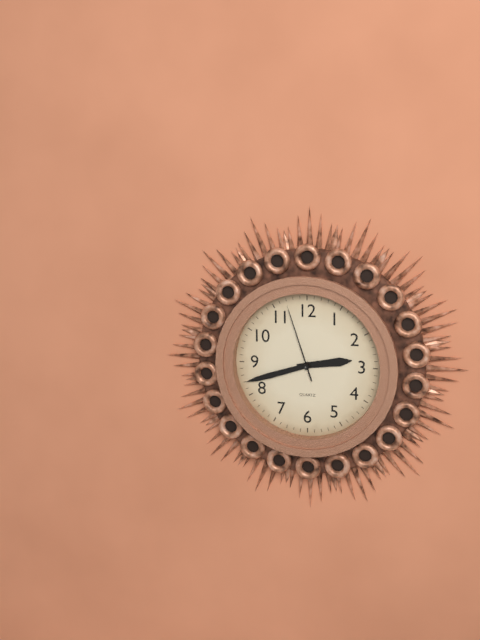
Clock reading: **2:42:57**
